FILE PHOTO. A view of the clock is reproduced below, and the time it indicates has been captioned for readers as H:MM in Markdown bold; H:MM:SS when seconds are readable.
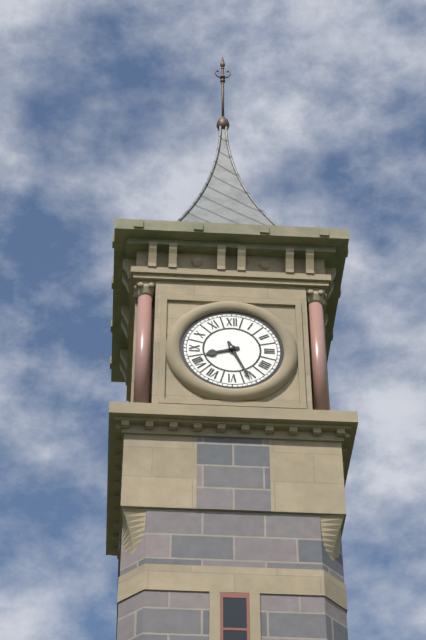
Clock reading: **8:26**
